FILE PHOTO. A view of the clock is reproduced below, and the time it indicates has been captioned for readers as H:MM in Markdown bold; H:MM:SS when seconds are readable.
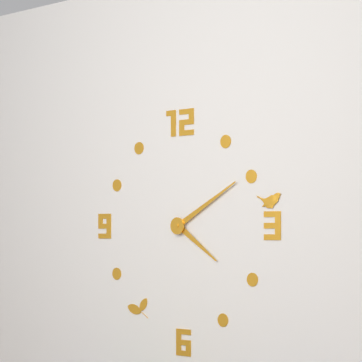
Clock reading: **4:10**
